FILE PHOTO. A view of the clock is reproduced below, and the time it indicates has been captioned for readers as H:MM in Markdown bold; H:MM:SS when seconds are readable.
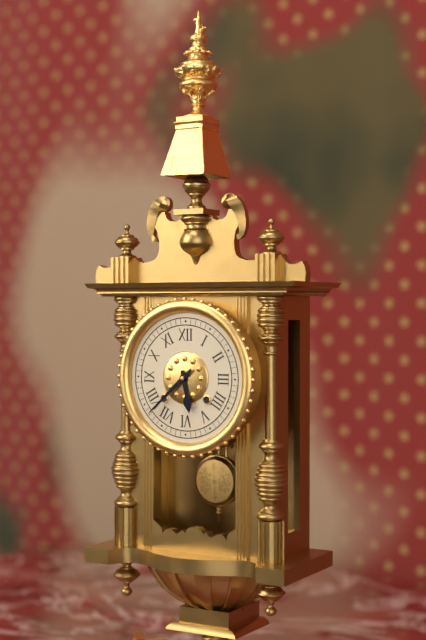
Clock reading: **5:38**
